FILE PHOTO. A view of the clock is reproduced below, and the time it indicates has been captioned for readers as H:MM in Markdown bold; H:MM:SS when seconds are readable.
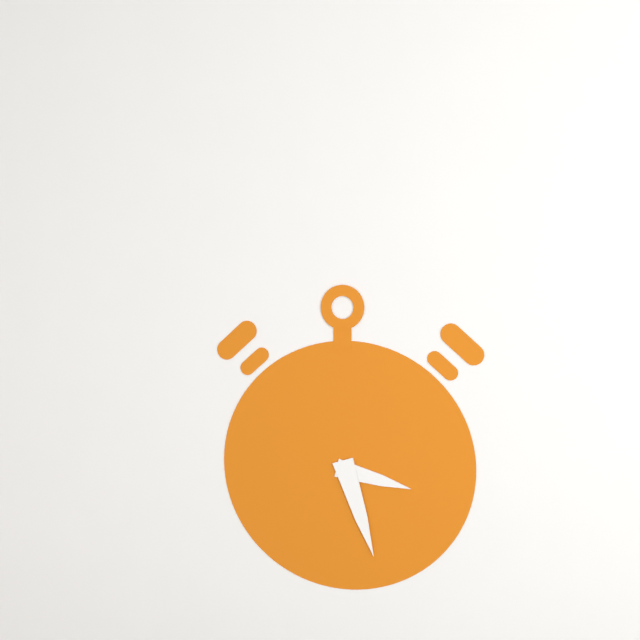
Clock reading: **3:27**
